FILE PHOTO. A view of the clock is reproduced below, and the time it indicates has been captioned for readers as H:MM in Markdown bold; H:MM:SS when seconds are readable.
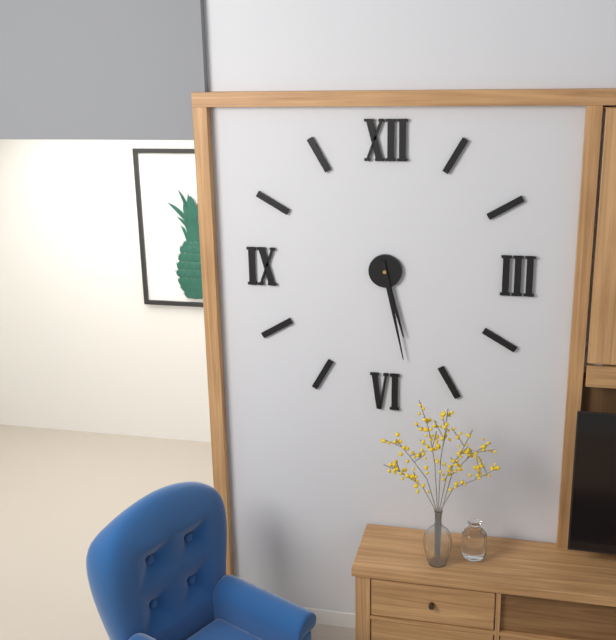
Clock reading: **5:28**
